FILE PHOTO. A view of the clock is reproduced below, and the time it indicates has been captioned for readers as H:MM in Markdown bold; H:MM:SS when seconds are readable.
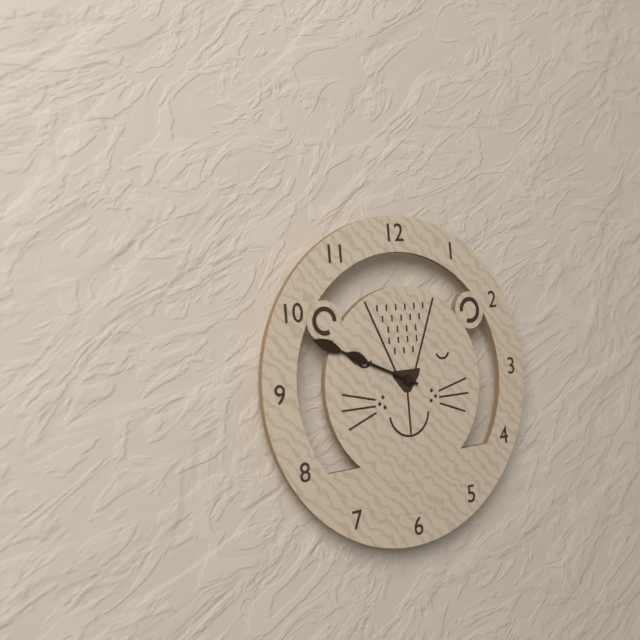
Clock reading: **9:49**
